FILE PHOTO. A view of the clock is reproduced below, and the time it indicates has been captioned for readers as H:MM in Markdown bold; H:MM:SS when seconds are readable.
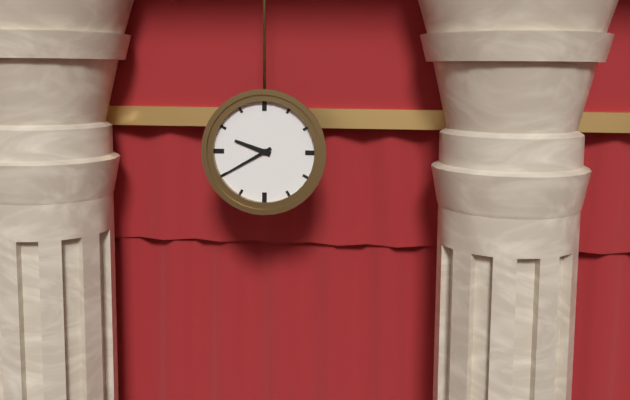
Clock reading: **9:40**
